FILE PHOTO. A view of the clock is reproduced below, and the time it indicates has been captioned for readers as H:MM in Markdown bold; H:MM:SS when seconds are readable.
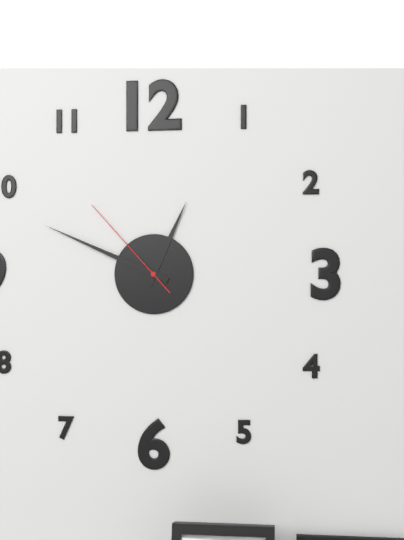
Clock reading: **12:49:53**
